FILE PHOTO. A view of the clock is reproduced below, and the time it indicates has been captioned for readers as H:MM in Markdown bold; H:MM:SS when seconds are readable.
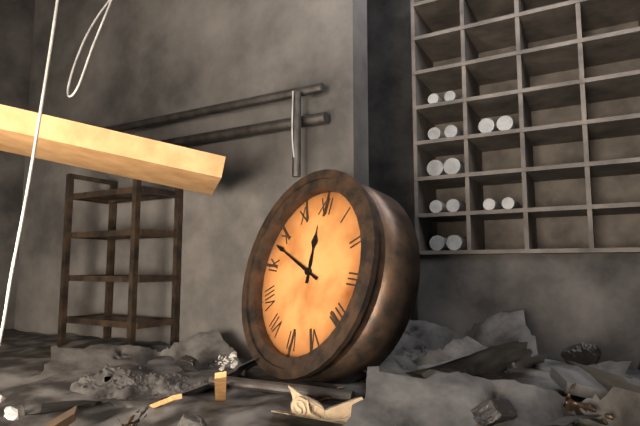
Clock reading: **11:48**
